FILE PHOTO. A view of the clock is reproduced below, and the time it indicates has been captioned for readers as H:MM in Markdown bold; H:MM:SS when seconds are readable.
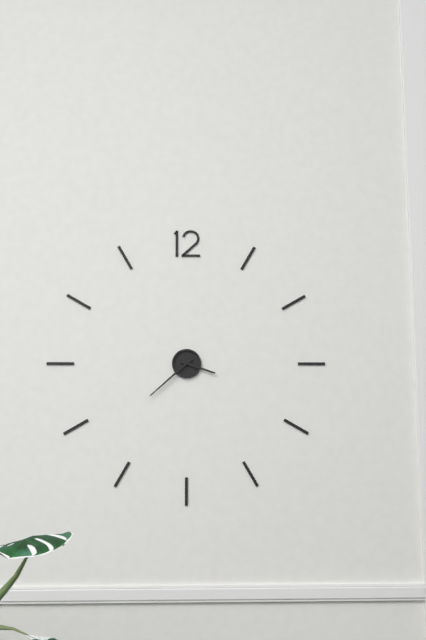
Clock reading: **3:38**
